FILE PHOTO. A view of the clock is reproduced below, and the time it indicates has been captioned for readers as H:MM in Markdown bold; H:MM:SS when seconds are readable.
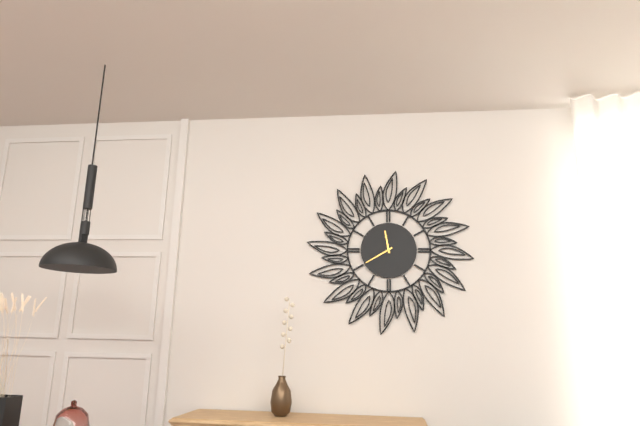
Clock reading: **11:40**
